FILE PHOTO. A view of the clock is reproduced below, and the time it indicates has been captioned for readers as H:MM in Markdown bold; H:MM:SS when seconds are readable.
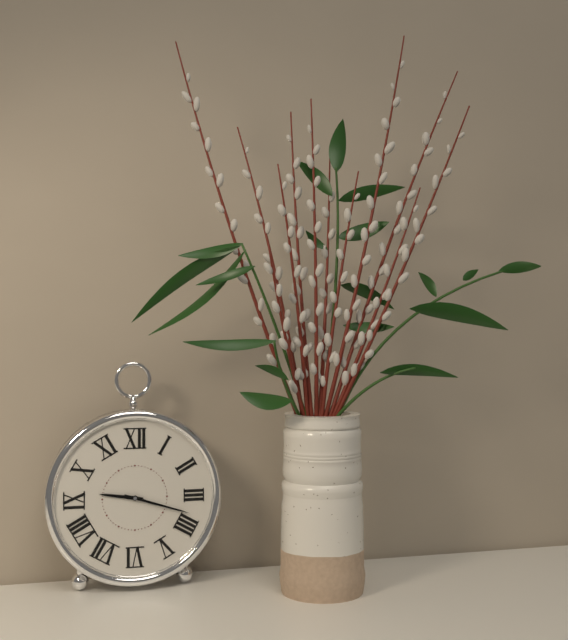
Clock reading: **9:18**
